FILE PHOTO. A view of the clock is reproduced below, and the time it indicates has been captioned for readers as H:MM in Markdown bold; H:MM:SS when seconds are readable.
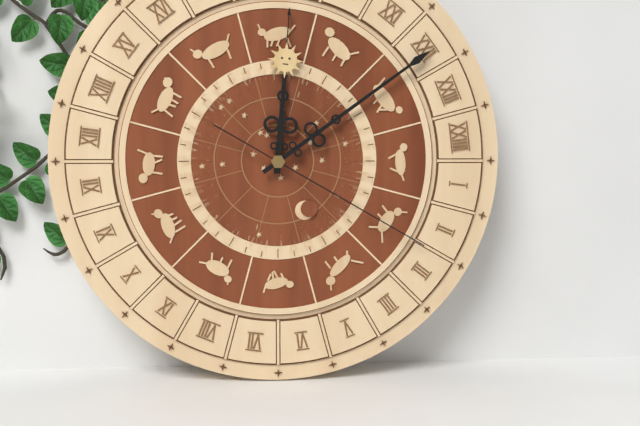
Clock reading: **12:09:20**
